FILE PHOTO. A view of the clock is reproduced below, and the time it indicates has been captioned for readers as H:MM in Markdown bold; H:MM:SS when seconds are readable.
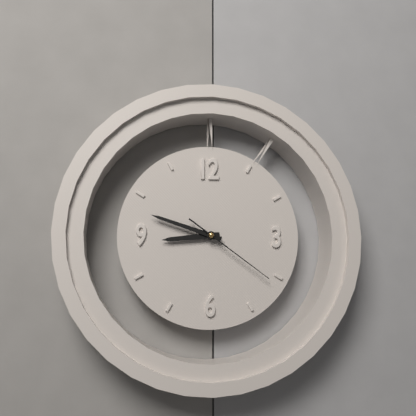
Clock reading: **8:48:21**
